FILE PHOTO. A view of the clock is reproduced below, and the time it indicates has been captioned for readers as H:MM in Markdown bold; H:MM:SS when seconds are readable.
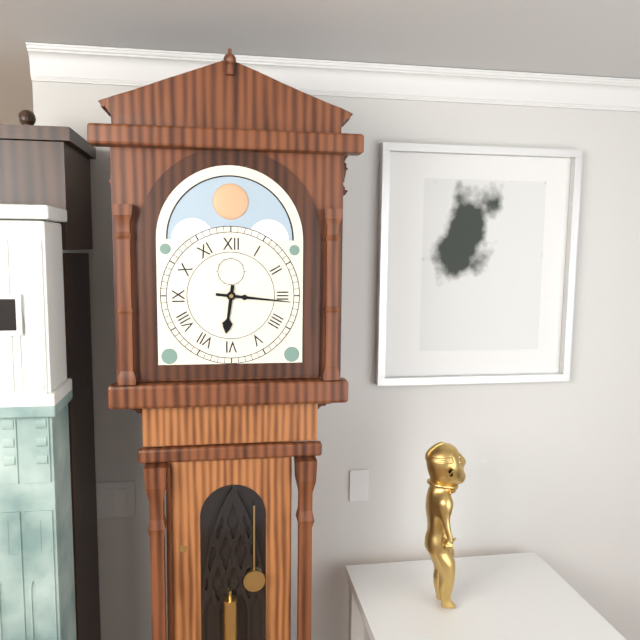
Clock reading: **6:16**
